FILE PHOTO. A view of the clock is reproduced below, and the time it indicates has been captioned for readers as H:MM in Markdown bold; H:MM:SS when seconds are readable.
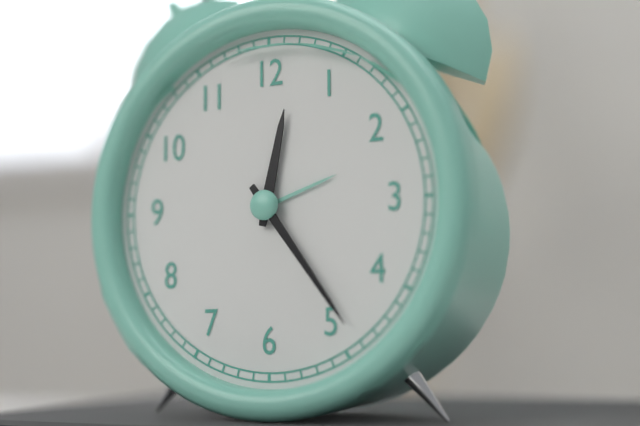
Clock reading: **12:24**
